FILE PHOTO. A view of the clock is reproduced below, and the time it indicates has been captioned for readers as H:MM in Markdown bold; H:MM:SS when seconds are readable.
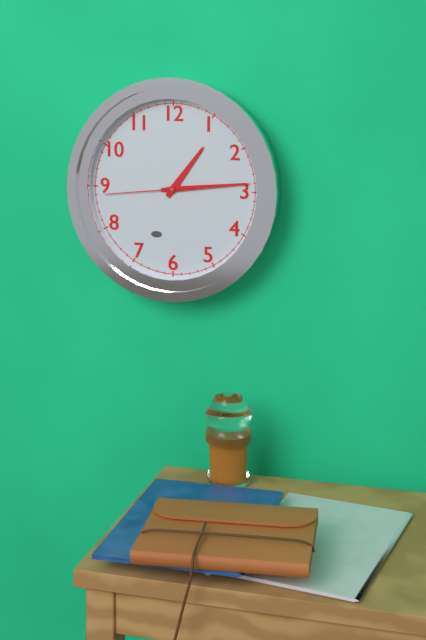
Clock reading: **1:14:44**
